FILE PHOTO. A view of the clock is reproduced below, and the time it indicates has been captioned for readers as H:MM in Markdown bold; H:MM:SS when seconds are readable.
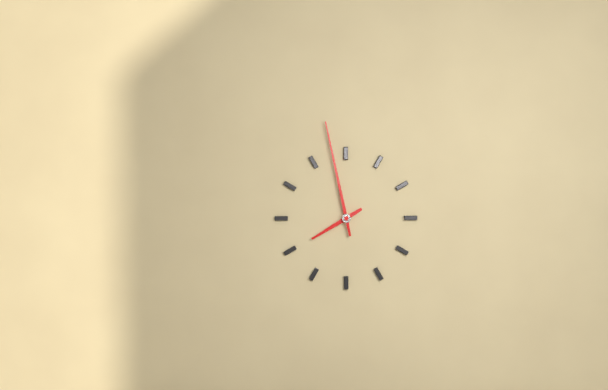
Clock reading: **7:58**
